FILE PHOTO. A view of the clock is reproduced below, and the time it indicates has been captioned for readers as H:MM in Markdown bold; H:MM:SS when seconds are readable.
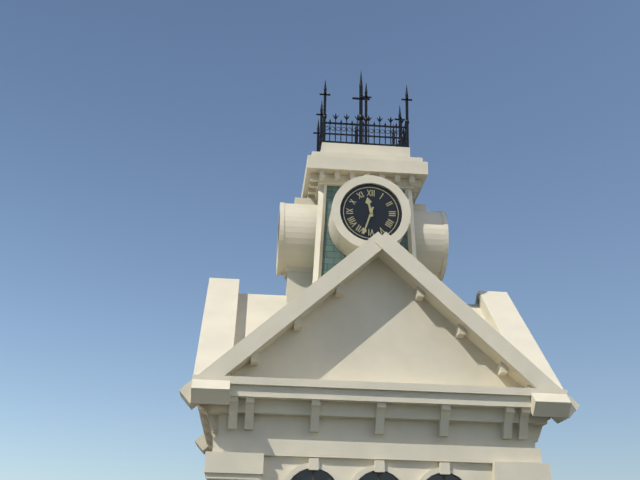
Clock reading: **11:33**
